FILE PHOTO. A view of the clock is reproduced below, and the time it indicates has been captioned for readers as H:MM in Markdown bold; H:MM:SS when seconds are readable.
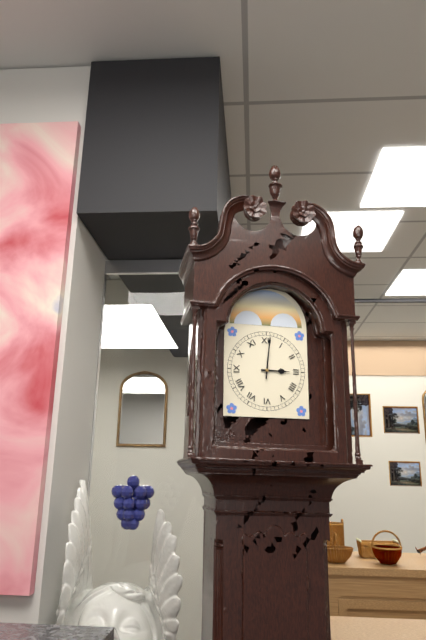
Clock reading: **3:01**
